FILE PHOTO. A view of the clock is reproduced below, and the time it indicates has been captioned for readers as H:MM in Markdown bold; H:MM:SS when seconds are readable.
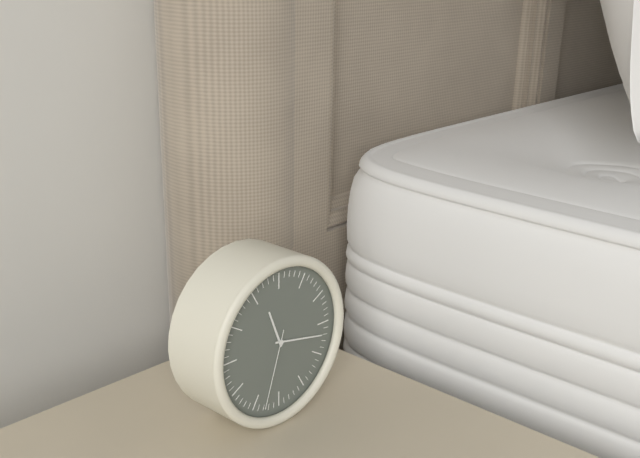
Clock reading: **11:17:33**
